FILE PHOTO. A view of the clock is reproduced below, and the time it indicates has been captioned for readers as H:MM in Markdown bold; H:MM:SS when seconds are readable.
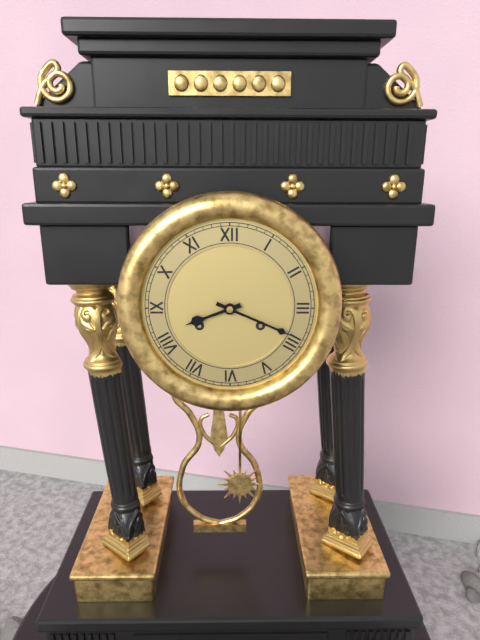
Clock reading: **8:19**
